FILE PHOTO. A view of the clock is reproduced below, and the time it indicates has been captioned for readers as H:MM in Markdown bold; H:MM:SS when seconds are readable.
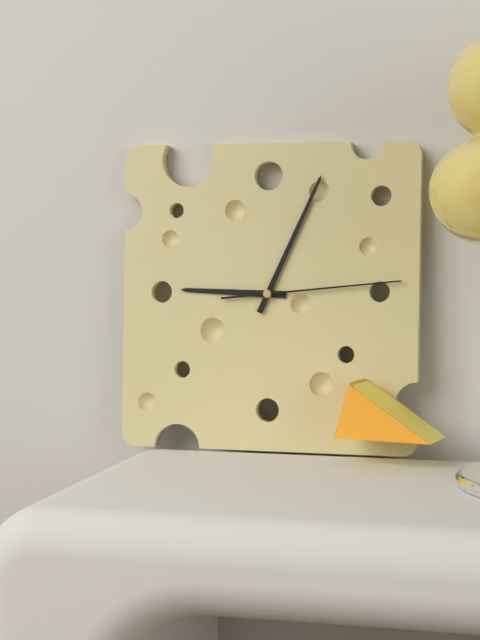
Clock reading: **9:04:14**
